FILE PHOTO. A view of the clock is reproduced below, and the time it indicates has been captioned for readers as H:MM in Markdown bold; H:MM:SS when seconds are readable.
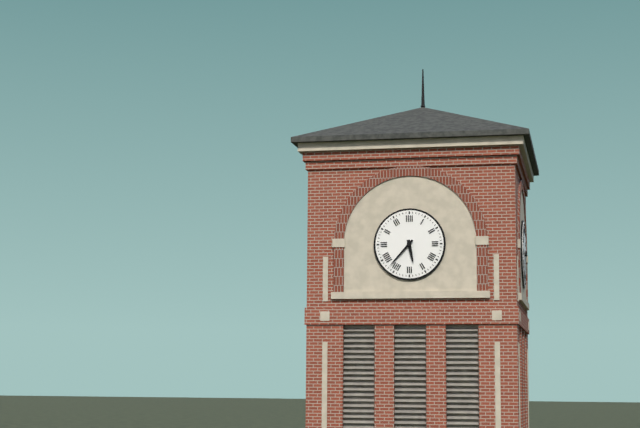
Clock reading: **5:37**
